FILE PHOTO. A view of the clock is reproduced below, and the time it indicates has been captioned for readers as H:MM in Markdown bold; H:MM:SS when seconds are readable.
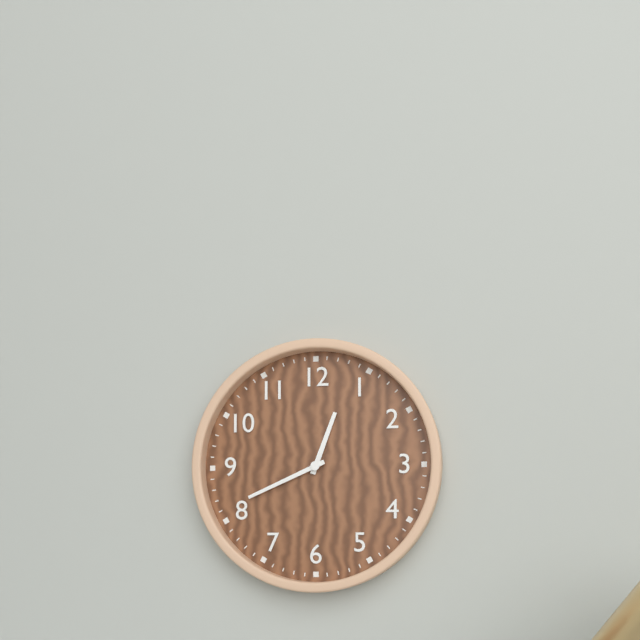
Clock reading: **12:41**
